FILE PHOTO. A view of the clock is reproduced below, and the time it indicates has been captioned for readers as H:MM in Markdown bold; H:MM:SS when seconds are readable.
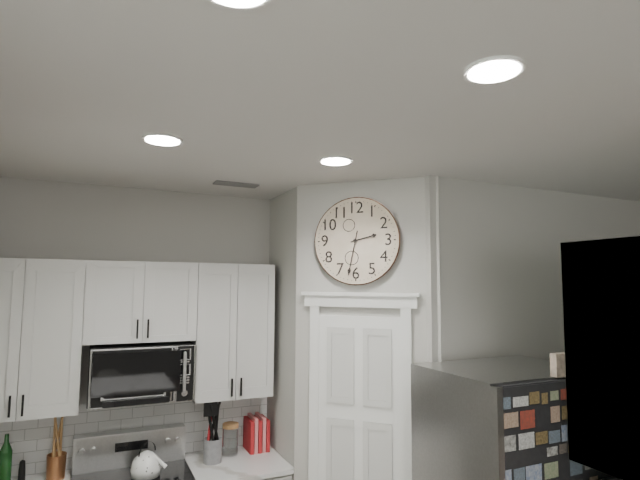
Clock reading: **2:32**
